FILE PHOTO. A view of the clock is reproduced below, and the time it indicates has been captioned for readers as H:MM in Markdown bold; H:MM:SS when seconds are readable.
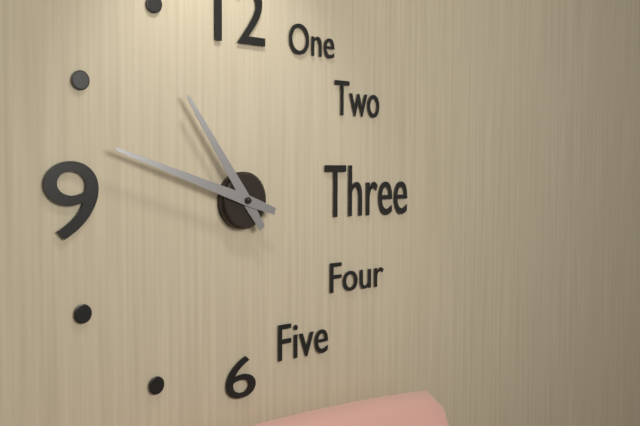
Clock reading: **10:48**
